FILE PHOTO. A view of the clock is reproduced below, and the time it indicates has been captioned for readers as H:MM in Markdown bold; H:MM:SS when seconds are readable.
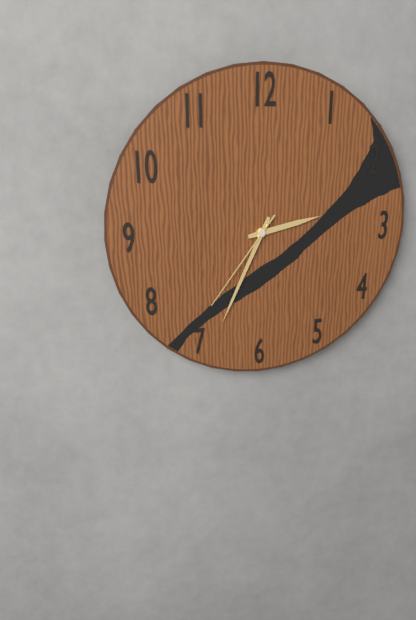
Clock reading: **2:34:36**
